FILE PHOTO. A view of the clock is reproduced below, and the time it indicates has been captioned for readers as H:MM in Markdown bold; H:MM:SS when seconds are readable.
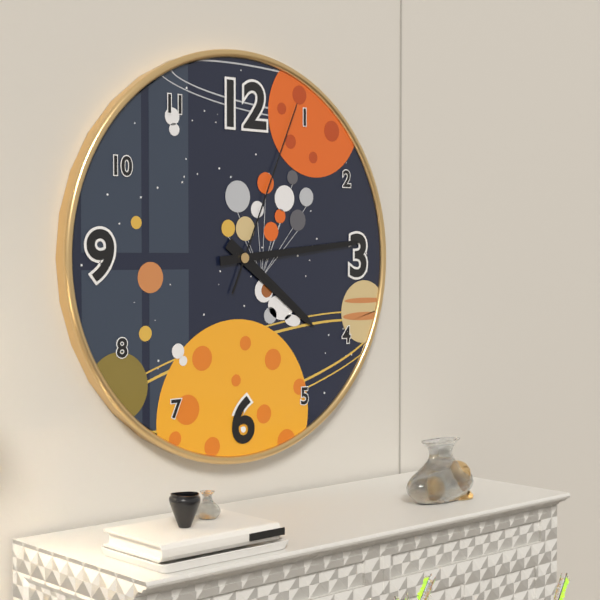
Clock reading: **4:14:04**
